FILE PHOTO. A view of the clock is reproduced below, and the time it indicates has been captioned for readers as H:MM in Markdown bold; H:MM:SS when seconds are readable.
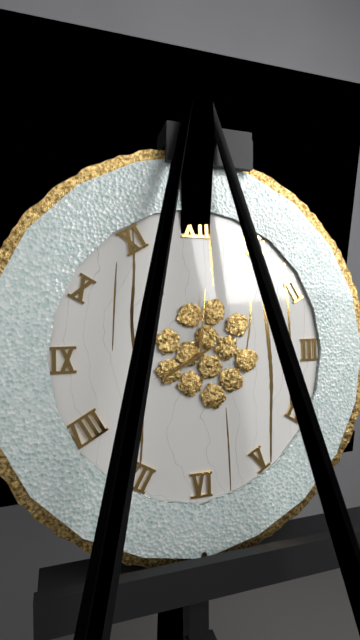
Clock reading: **8:01:41**
